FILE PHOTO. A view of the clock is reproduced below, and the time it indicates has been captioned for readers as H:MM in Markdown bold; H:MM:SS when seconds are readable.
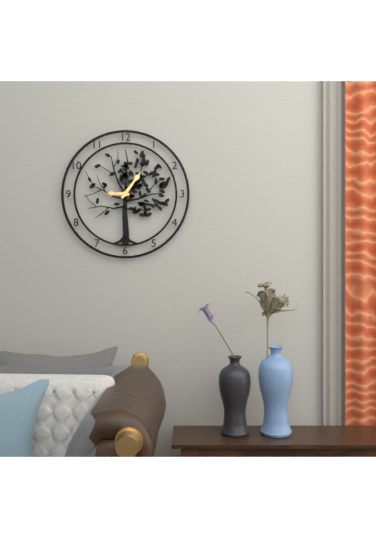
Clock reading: **9:06**
